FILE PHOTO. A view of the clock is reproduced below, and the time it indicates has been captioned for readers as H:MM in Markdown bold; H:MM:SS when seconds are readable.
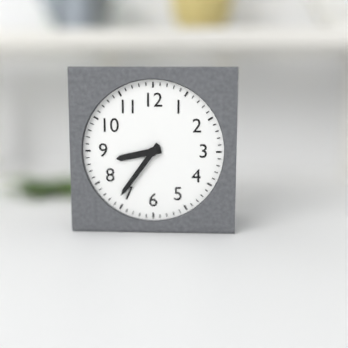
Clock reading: **8:36**
